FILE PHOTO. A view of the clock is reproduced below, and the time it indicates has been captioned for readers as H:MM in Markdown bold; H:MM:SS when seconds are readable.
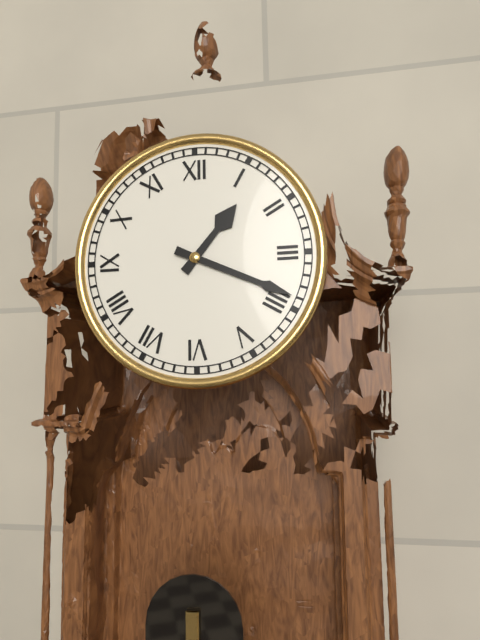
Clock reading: **1:19**
